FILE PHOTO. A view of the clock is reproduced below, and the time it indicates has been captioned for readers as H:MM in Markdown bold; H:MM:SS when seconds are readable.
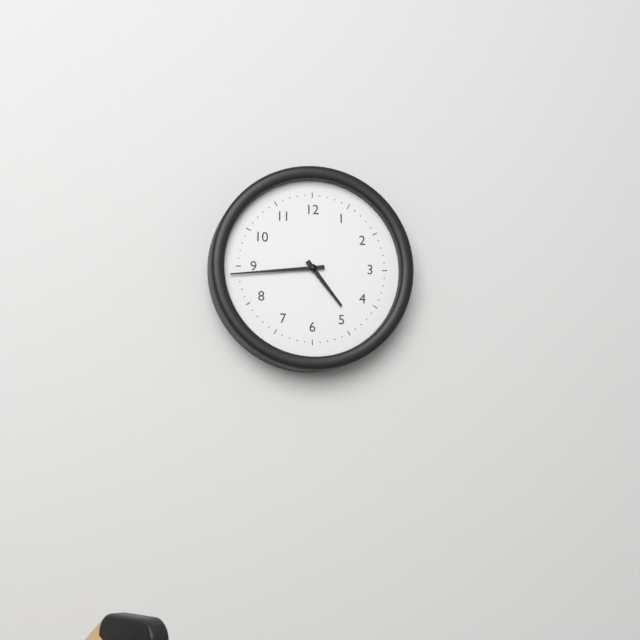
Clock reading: **4:44**
